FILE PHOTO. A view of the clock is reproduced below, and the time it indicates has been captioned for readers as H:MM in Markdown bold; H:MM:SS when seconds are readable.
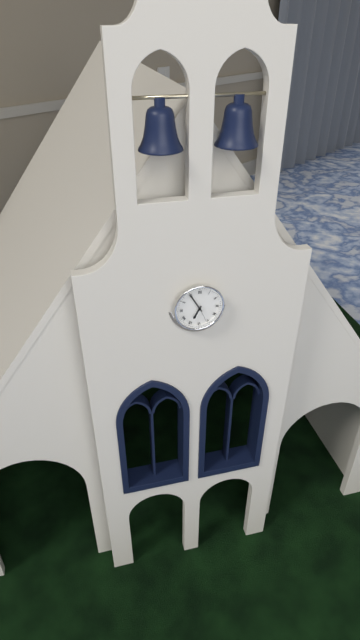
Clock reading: **6:55**
